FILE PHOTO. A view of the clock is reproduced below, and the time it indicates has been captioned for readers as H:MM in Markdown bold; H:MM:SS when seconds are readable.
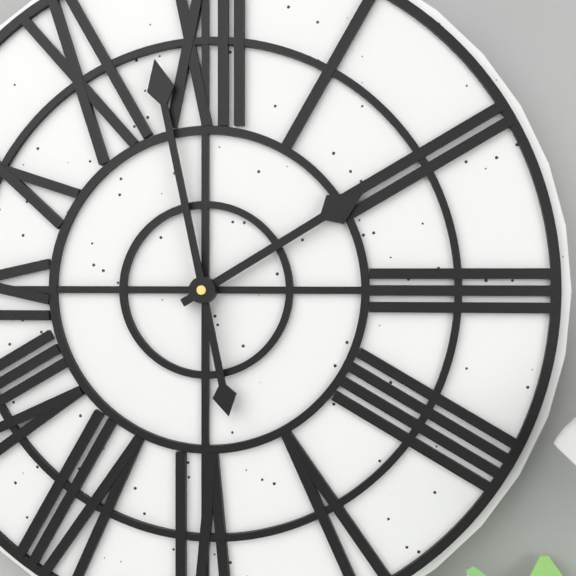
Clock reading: **1:58**
